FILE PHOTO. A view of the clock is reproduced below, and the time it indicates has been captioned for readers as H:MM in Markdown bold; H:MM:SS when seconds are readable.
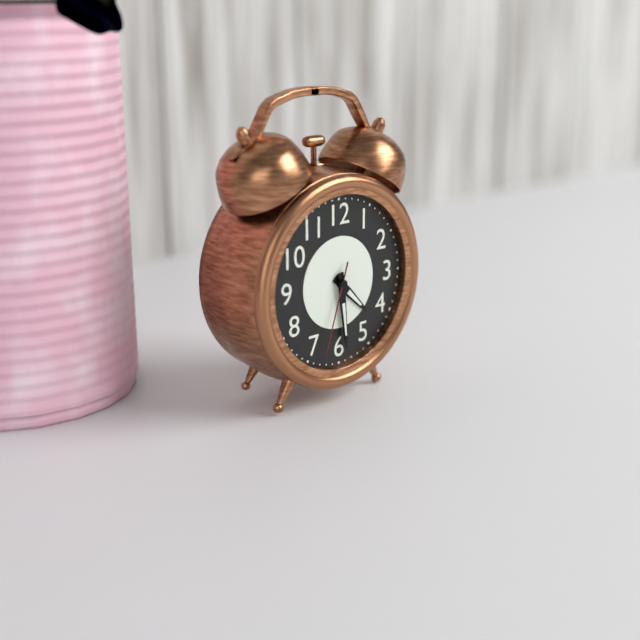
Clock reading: **4:29:33**
